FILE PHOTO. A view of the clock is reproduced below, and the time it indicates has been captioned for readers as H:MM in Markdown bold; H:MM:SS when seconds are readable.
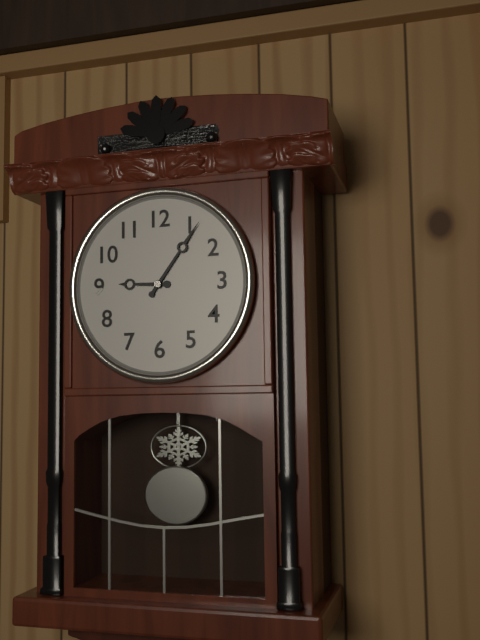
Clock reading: **9:06**
